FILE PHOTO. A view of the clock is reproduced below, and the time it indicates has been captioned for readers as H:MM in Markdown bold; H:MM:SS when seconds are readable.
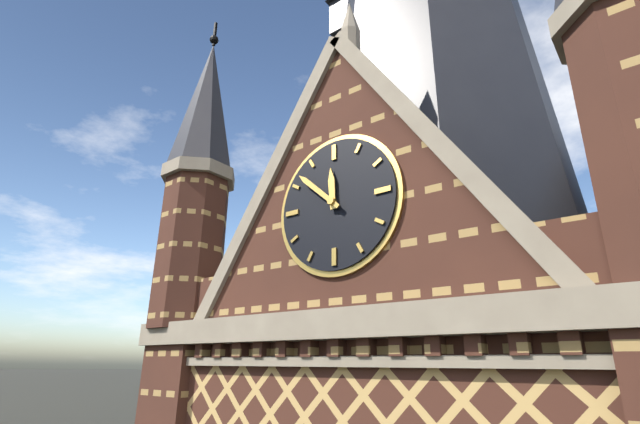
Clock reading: **11:52**
